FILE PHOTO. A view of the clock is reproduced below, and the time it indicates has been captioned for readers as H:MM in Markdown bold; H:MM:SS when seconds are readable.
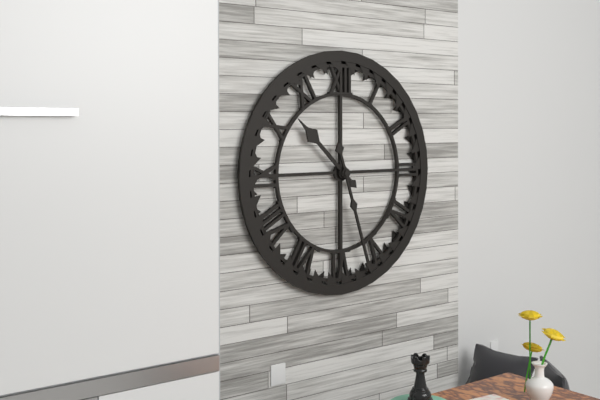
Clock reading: **10:27**
